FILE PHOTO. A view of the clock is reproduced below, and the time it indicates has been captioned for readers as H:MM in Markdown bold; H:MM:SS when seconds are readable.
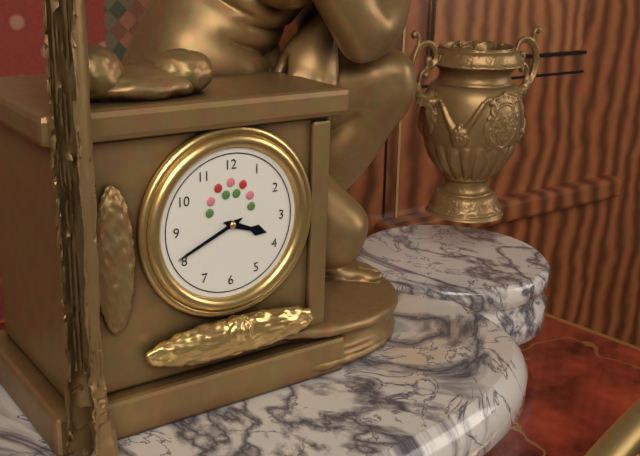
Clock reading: **3:41**
